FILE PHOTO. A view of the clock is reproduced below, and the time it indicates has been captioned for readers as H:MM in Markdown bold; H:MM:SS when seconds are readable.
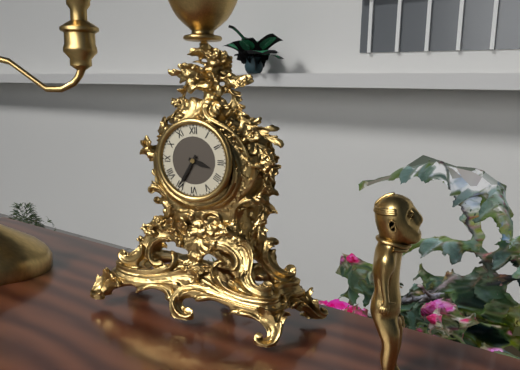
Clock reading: **3:35**
